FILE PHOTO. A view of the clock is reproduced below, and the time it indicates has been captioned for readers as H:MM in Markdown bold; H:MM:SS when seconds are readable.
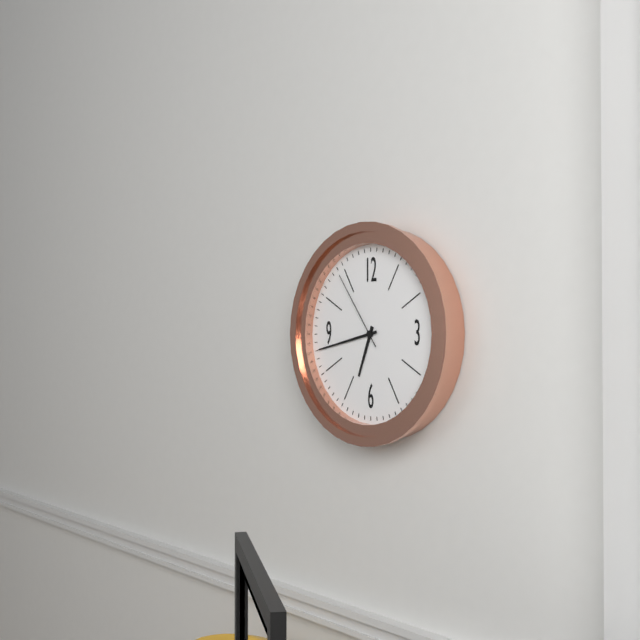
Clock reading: **6:43:54**
